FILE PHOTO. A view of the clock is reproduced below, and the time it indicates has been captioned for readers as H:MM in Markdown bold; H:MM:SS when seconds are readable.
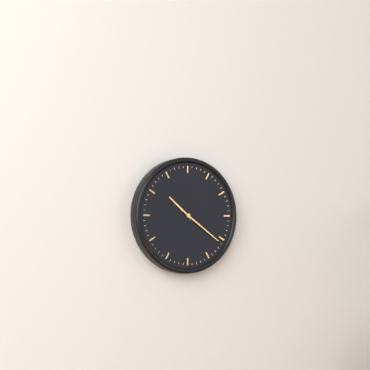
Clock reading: **10:21**
